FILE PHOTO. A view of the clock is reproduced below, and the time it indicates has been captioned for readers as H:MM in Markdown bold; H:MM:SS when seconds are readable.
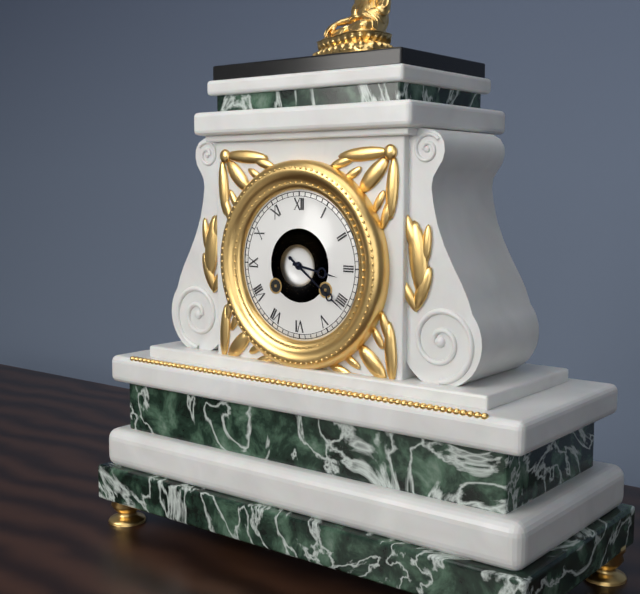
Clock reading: **3:21**
